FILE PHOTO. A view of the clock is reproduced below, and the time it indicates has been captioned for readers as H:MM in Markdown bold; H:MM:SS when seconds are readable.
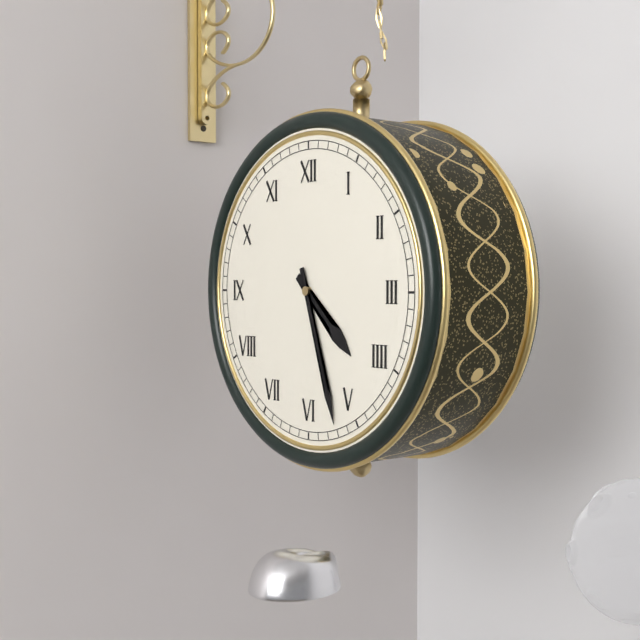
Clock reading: **4:27**
